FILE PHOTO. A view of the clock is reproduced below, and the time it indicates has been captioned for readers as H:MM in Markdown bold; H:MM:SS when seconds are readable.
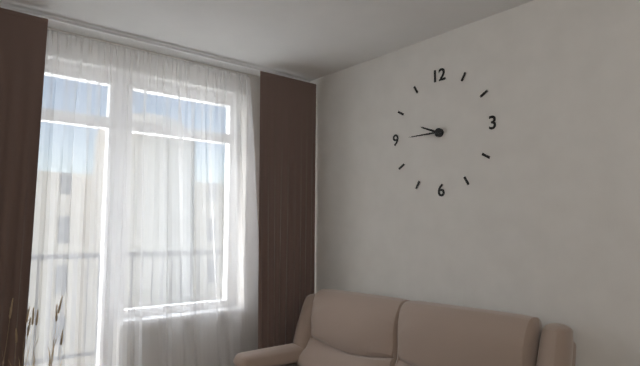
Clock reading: **9:45**
